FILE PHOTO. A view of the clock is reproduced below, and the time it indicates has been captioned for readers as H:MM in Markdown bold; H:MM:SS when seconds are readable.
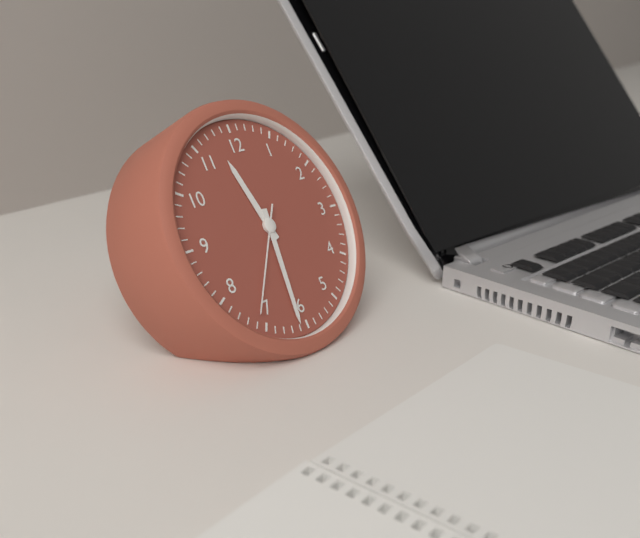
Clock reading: **11:31:36**
